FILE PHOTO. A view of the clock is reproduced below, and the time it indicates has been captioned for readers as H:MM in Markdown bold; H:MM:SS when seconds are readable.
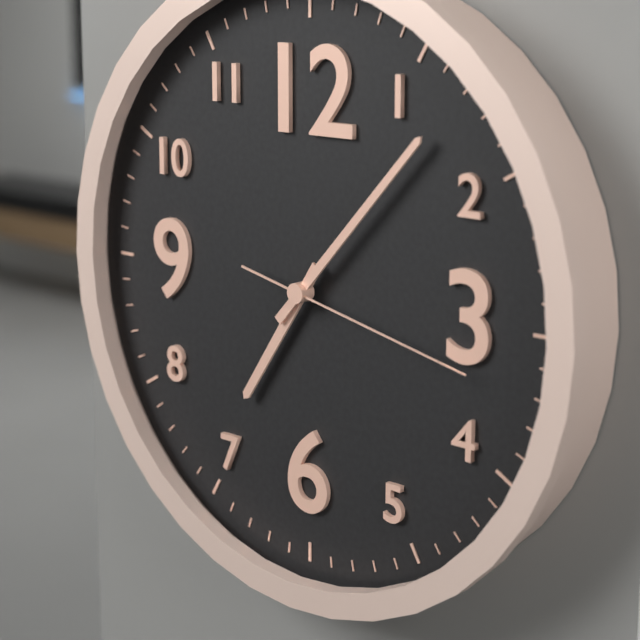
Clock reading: **7:07:17**
